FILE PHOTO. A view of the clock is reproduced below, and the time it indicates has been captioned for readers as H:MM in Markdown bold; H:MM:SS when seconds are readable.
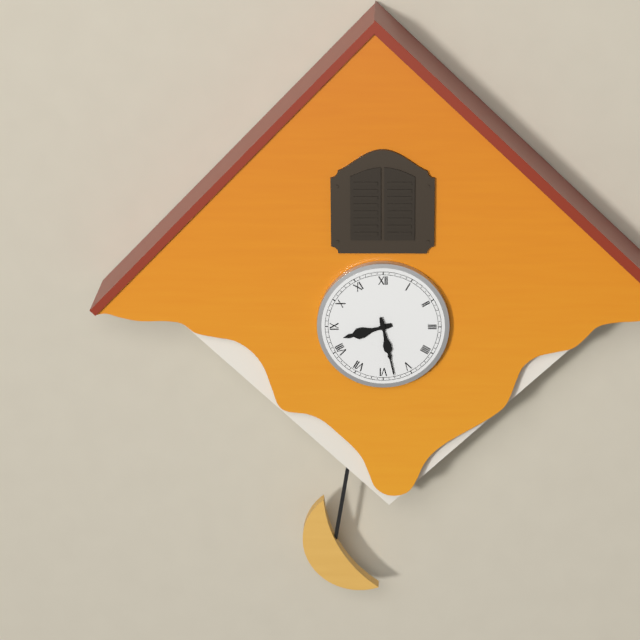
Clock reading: **8:28**
